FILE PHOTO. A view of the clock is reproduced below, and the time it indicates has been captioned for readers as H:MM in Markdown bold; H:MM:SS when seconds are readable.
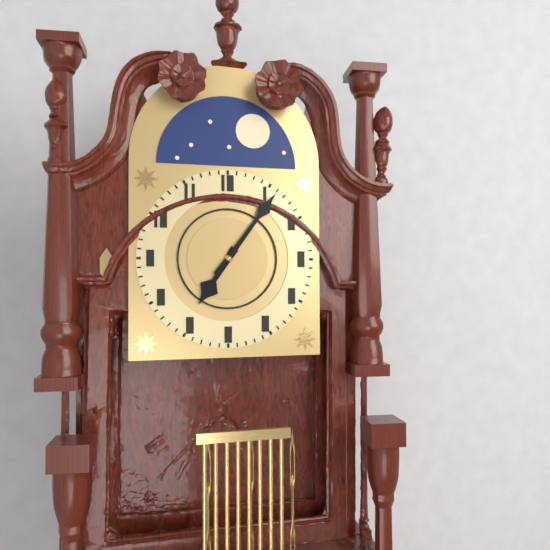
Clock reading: **7:06**
